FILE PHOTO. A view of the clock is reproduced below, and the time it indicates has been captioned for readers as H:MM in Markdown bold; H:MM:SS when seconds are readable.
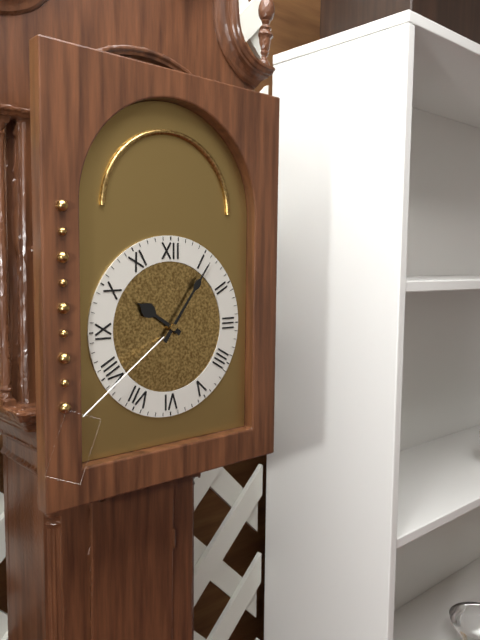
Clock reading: **10:06**
